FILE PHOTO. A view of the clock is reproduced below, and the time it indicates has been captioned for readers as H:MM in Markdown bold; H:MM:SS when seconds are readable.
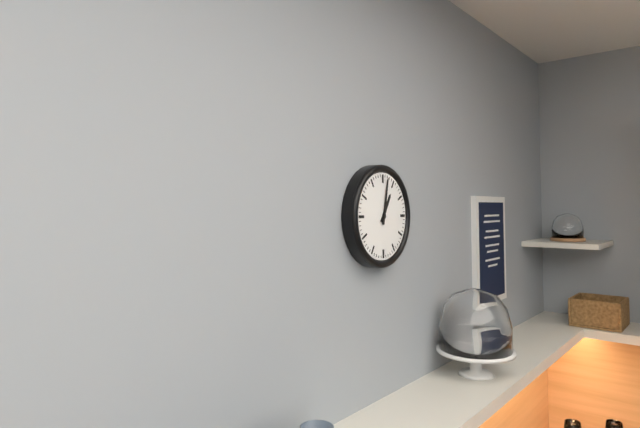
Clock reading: **1:02**
